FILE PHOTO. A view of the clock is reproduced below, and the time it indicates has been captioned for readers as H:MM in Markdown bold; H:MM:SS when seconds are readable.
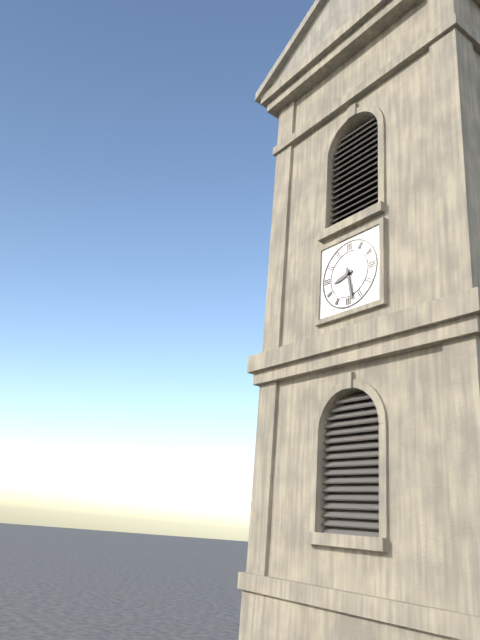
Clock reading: **8:28**
